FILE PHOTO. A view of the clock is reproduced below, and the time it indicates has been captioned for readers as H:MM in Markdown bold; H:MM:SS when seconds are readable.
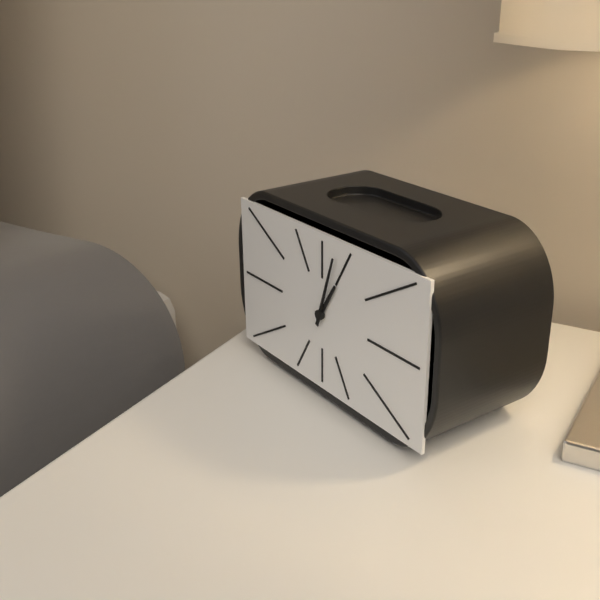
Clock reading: **1:03**
